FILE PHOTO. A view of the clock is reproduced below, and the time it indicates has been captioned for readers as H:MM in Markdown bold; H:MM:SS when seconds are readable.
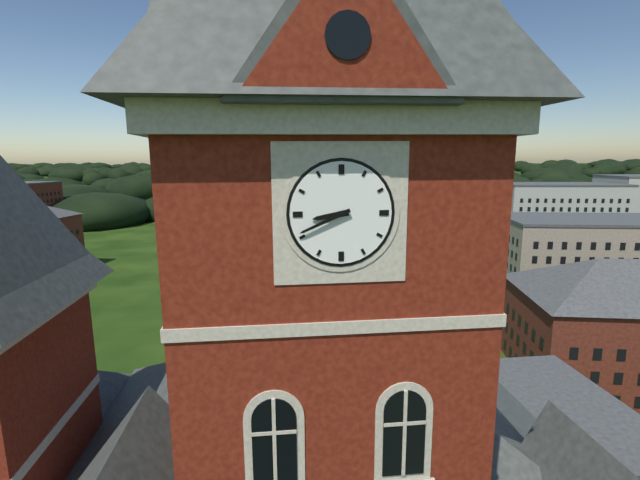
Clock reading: **8:41**
